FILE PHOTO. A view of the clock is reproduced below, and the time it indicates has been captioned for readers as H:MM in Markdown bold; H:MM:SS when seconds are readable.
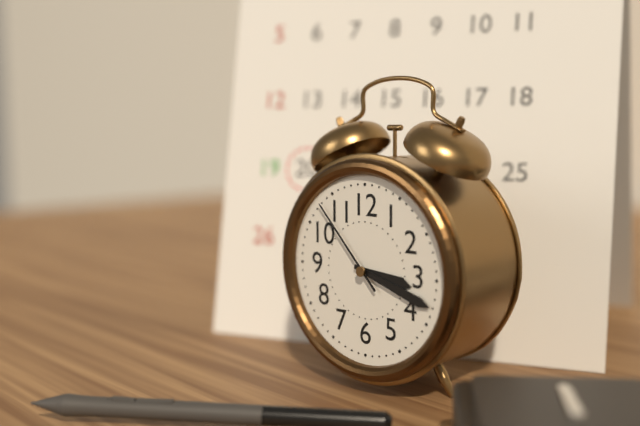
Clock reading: **3:18:53**
